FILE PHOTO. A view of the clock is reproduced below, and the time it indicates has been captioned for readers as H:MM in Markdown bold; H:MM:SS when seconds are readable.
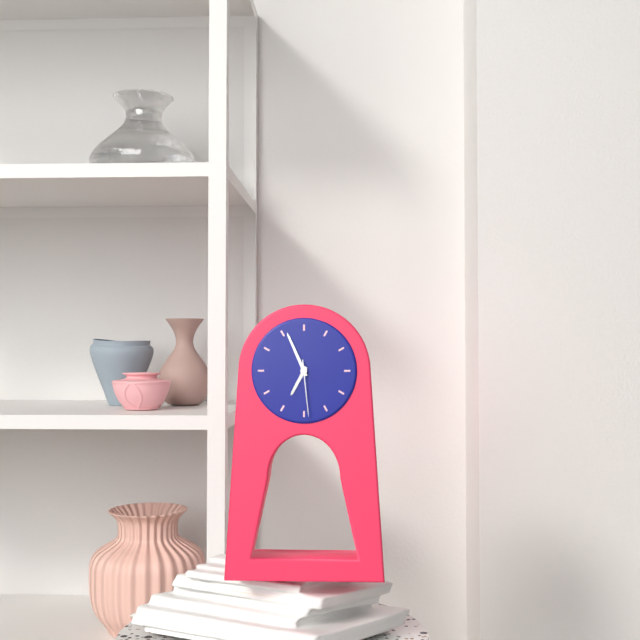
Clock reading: **6:56:29**
